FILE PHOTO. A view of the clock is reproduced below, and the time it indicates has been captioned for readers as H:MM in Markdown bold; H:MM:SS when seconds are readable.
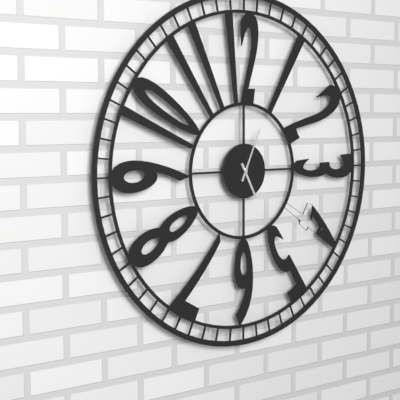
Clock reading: **5:04**
